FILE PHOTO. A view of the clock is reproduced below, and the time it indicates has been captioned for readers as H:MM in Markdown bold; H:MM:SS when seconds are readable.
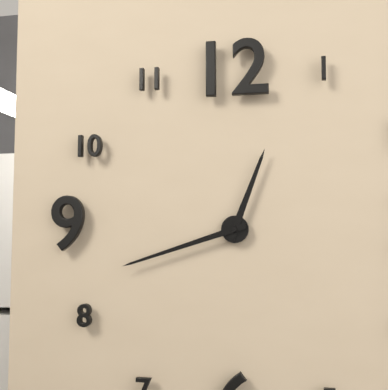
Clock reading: **12:42**
